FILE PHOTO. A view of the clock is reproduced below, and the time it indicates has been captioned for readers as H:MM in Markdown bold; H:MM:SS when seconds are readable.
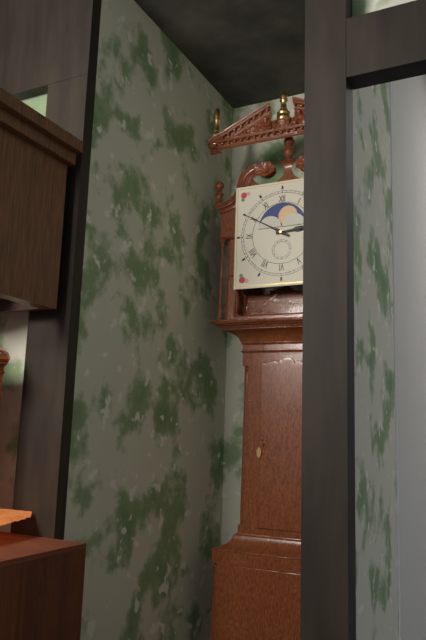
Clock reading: **2:50**
